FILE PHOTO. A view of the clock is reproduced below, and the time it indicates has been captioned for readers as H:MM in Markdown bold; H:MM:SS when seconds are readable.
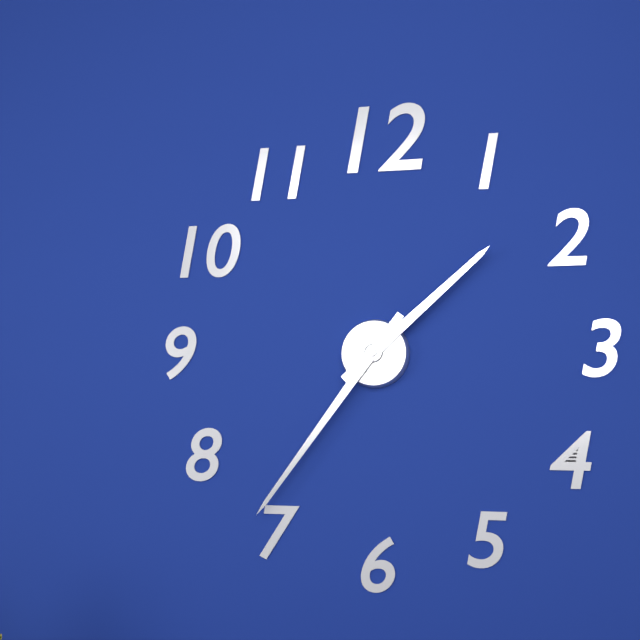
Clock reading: **1:36**
